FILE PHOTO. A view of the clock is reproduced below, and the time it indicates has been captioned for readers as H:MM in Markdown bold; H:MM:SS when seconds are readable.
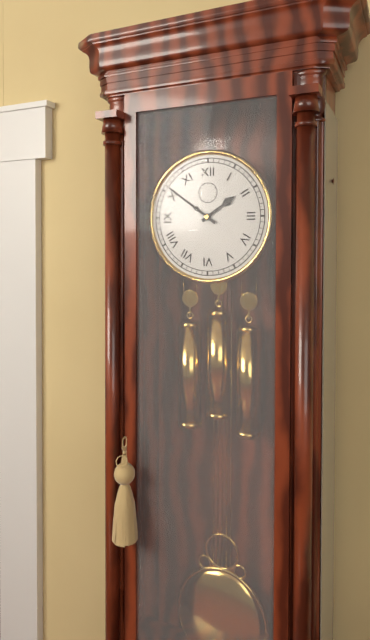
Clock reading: **1:51**
